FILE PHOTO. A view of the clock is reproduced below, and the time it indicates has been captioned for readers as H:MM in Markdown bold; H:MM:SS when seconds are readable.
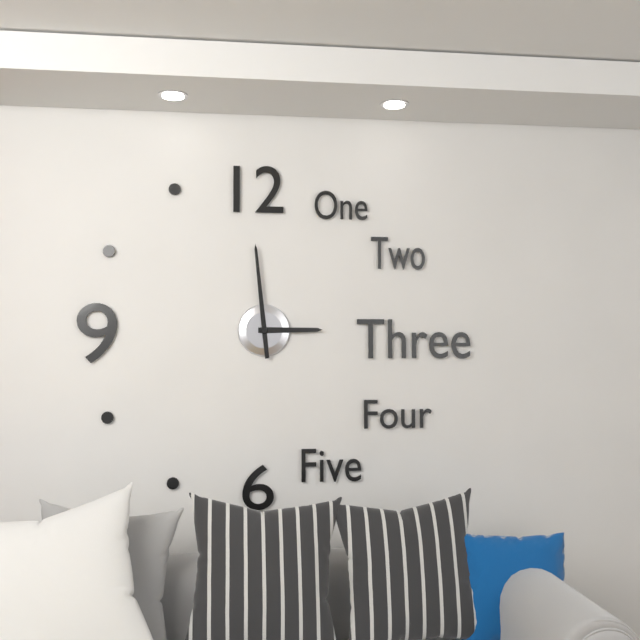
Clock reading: **2:59**
